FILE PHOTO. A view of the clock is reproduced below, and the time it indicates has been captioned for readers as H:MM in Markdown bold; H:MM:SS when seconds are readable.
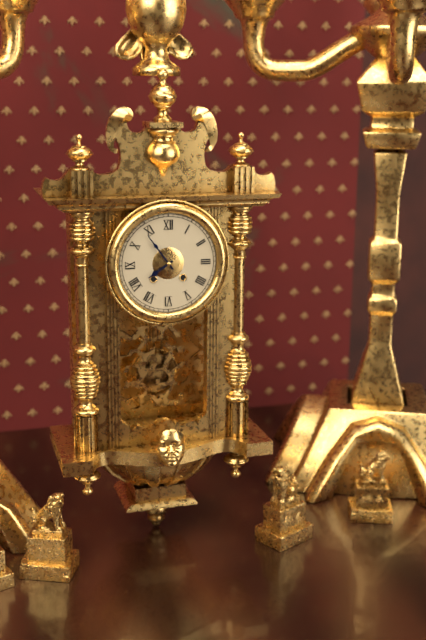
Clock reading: **7:54**
